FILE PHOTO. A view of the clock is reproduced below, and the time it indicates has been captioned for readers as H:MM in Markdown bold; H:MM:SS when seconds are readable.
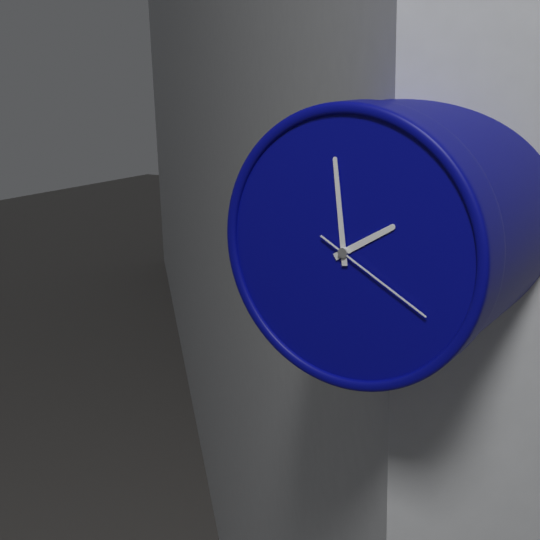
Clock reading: **1:59:20**
